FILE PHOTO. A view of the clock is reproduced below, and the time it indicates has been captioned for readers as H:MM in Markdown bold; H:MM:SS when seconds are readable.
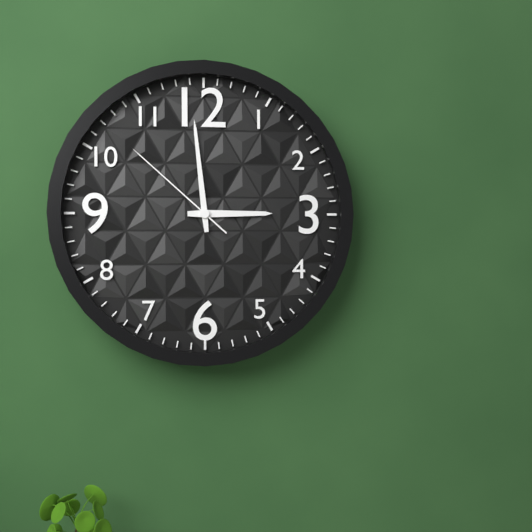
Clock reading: **2:59:52**
